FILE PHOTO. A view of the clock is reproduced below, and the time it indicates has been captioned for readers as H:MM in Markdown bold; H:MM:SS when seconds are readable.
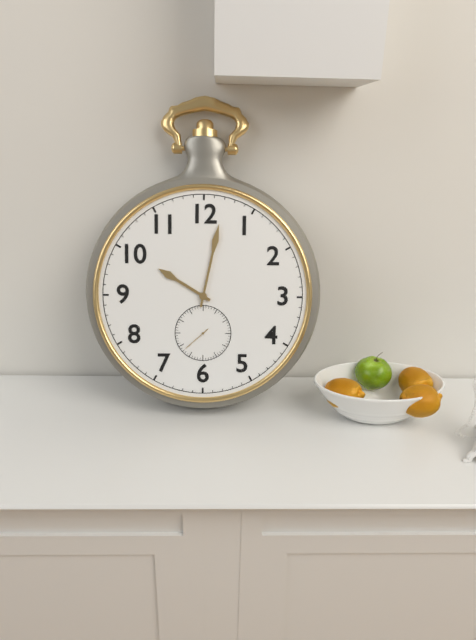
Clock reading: **10:02**
